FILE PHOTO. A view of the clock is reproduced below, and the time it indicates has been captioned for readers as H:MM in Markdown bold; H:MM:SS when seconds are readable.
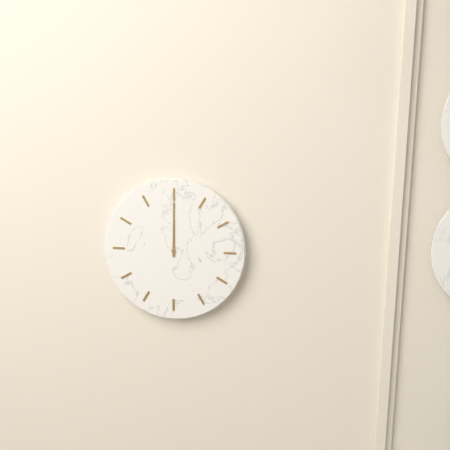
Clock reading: **12:00**
